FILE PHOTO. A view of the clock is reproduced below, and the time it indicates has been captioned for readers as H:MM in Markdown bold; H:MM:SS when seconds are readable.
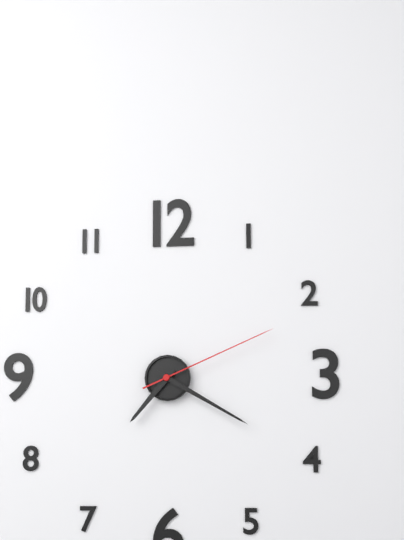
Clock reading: **7:20:11**
